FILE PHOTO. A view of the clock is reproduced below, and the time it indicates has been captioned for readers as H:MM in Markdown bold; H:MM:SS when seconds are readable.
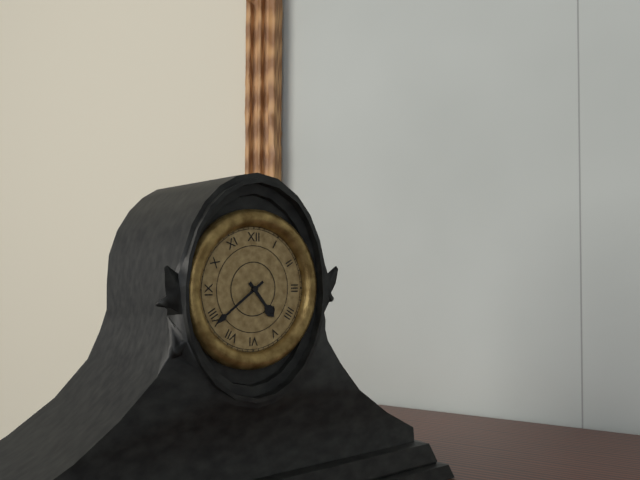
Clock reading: **4:39**
